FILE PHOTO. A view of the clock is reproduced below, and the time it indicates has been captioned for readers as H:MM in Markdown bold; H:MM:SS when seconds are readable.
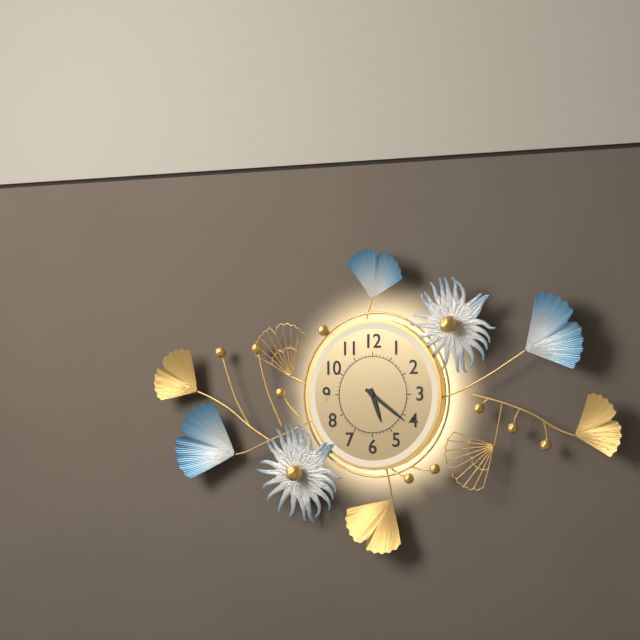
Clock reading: **5:21**
